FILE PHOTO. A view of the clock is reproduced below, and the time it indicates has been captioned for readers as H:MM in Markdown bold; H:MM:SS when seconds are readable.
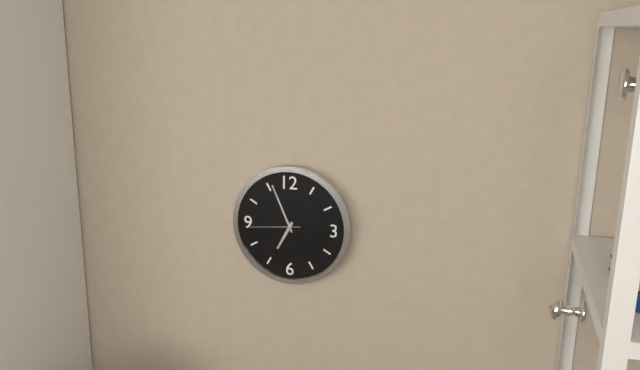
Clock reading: **6:56:44**
